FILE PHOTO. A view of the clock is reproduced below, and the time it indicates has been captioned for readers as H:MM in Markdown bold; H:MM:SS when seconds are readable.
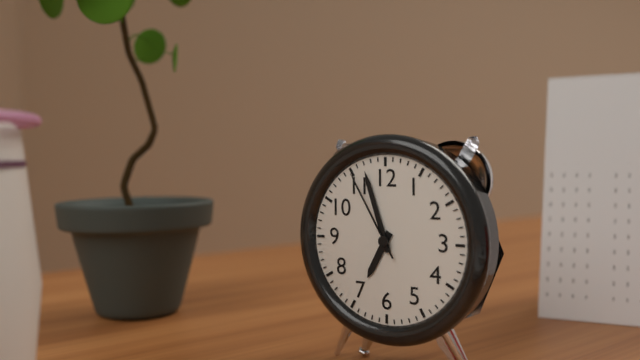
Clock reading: **6:57:55**
